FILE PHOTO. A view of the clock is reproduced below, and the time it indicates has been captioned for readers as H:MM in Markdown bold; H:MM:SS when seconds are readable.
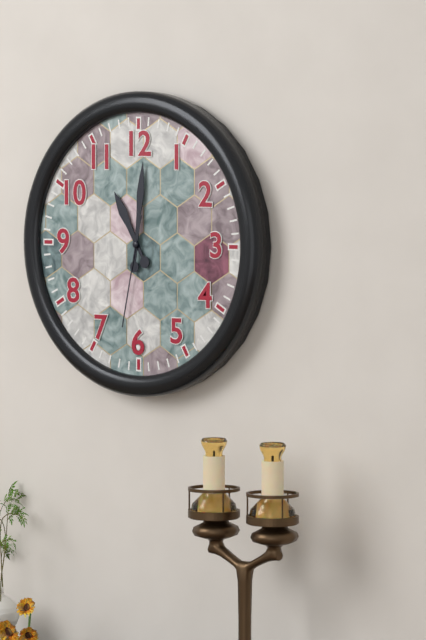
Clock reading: **11:01:32**
